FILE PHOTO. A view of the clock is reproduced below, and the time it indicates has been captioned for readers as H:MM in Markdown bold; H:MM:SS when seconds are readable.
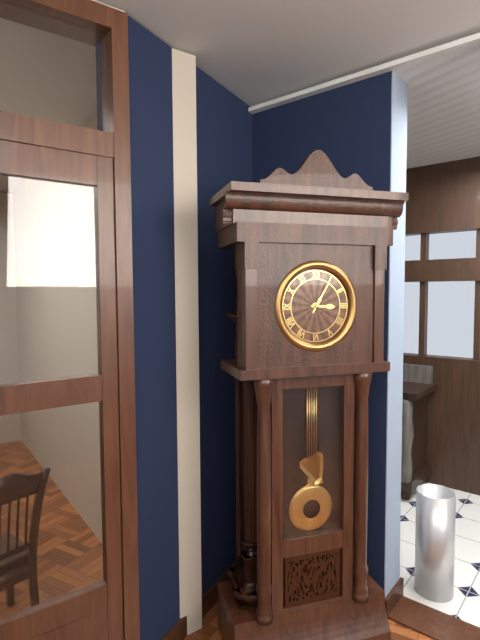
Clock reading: **3:05**
